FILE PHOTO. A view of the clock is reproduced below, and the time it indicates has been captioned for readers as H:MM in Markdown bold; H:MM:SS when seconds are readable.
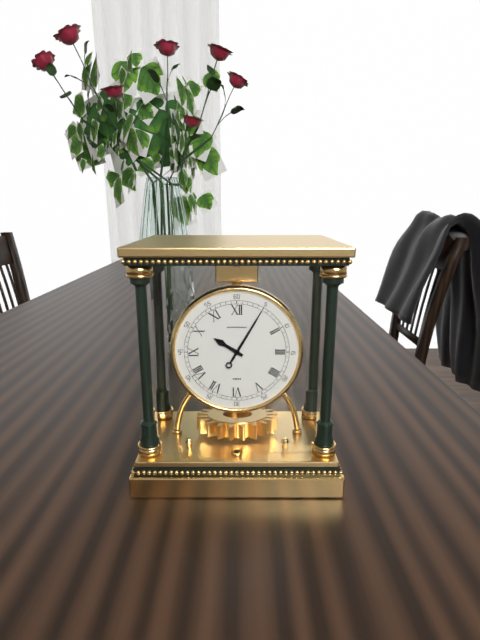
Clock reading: **10:05**
